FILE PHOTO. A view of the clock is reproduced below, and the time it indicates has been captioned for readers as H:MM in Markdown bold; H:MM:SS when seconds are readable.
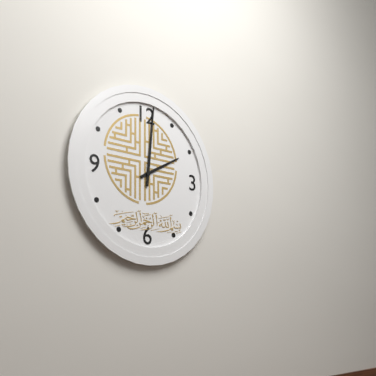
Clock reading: **2:01**
